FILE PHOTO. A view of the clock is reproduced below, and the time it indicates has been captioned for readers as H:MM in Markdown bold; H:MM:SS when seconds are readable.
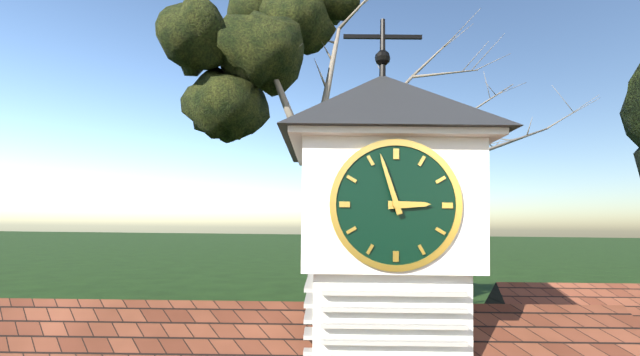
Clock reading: **2:57**
